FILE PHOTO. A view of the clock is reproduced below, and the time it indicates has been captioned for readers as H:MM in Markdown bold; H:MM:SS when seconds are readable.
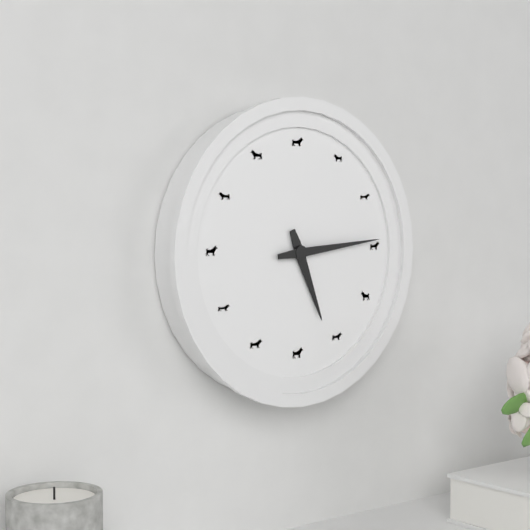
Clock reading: **5:14**
